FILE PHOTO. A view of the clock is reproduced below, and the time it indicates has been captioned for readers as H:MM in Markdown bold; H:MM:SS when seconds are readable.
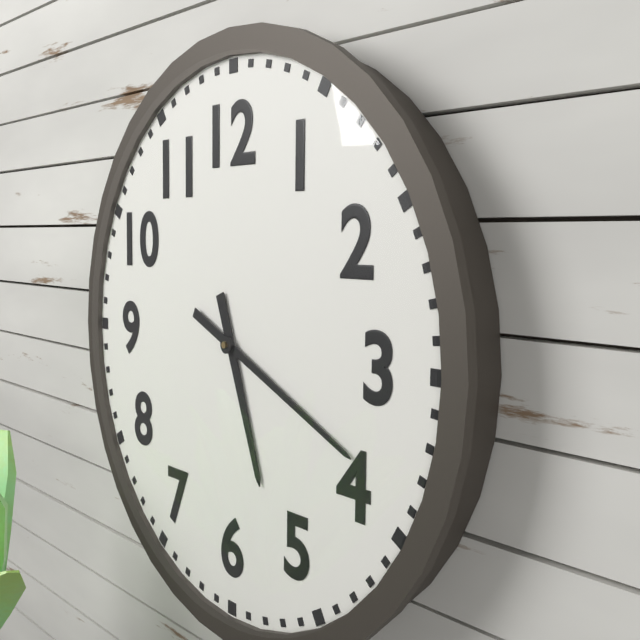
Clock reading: **5:19**
